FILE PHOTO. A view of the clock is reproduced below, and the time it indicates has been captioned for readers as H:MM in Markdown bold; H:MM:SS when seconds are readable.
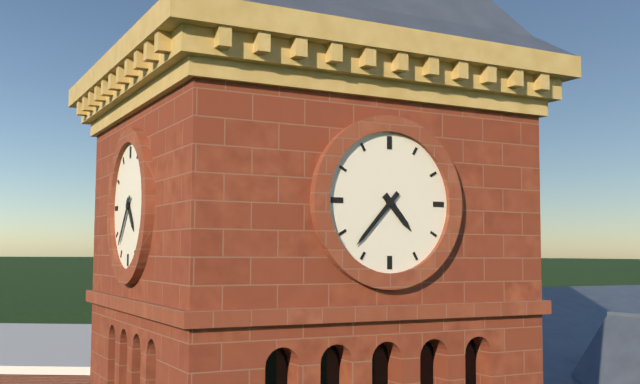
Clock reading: **4:37**
